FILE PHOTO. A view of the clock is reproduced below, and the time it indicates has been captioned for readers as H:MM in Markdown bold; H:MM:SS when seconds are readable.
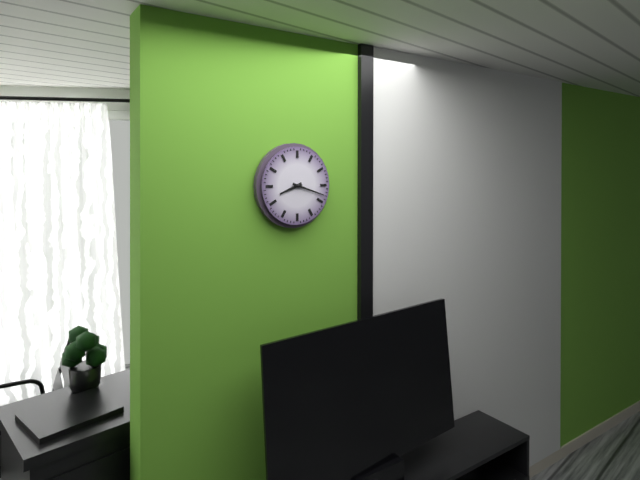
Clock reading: **8:18**
